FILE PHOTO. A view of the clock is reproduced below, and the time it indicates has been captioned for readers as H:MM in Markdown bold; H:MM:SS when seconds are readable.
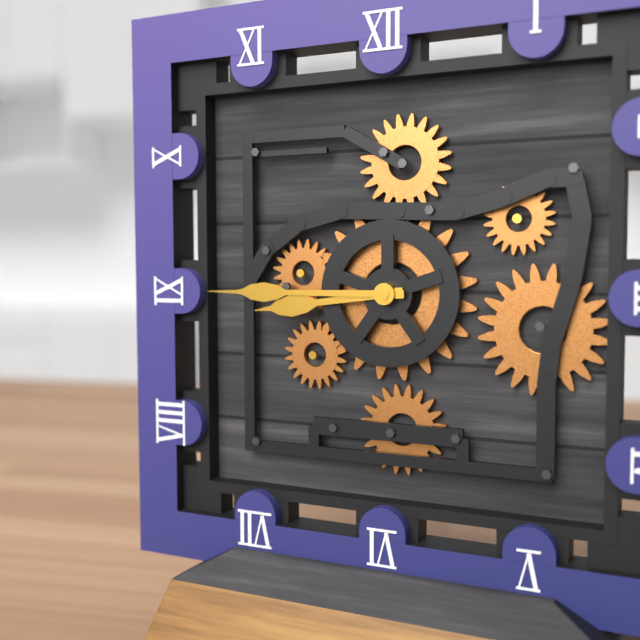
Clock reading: **8:45**
